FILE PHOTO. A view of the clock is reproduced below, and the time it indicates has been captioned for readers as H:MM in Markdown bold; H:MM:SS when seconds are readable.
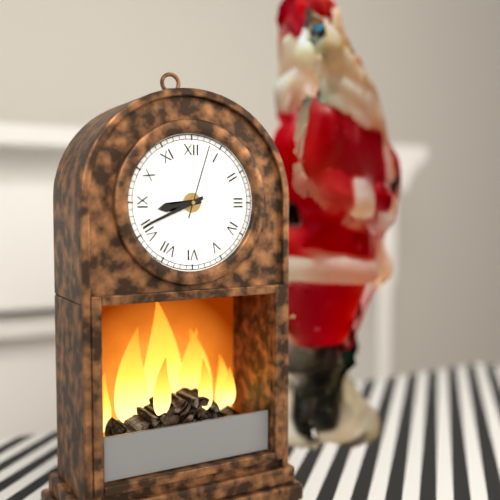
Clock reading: **8:41:03**
